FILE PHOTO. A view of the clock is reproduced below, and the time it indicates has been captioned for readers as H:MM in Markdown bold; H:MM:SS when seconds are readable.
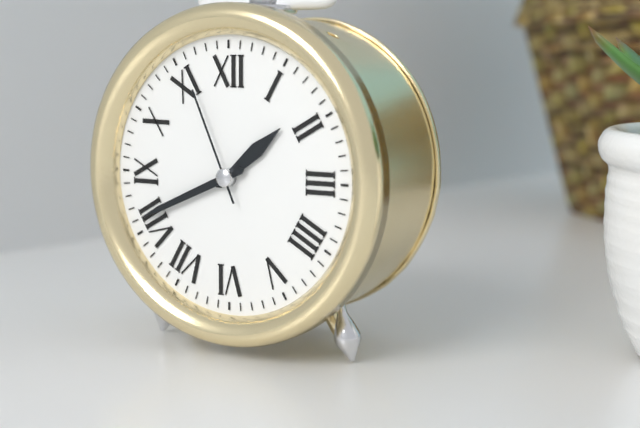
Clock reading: **1:41:56**
